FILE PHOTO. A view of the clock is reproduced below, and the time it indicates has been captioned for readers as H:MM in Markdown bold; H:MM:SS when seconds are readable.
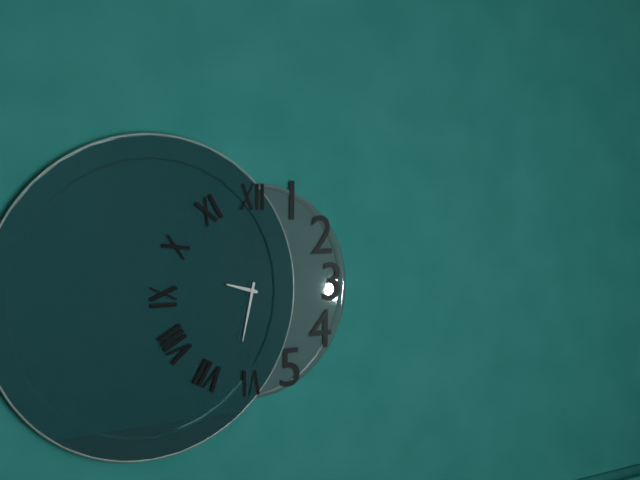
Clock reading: **9:32**
